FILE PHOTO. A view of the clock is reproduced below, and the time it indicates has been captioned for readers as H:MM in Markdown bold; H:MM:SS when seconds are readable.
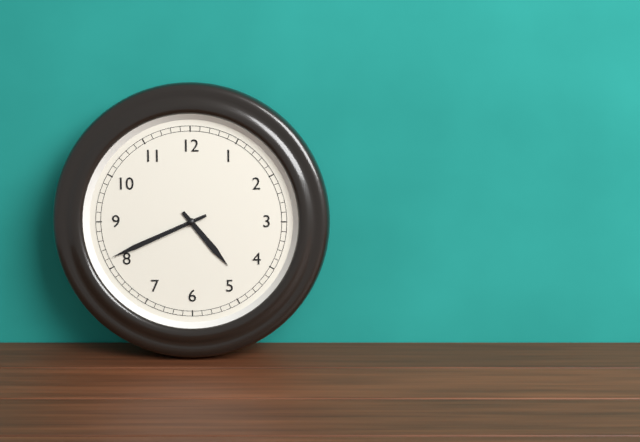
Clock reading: **4:41**
